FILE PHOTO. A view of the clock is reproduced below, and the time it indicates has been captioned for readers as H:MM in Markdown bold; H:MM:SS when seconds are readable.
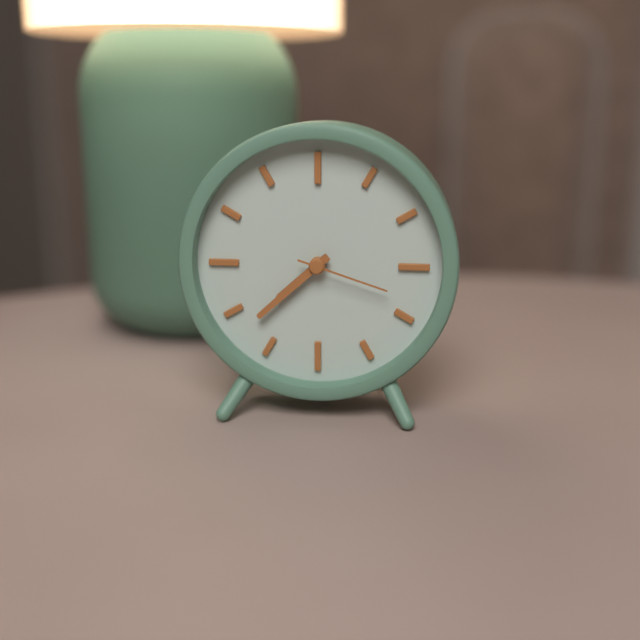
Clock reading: **7:38:18**
